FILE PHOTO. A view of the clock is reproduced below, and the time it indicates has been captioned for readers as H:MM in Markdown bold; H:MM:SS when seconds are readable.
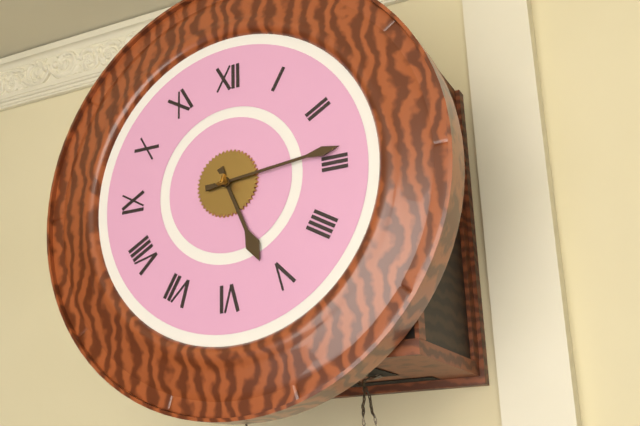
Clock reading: **5:14**
